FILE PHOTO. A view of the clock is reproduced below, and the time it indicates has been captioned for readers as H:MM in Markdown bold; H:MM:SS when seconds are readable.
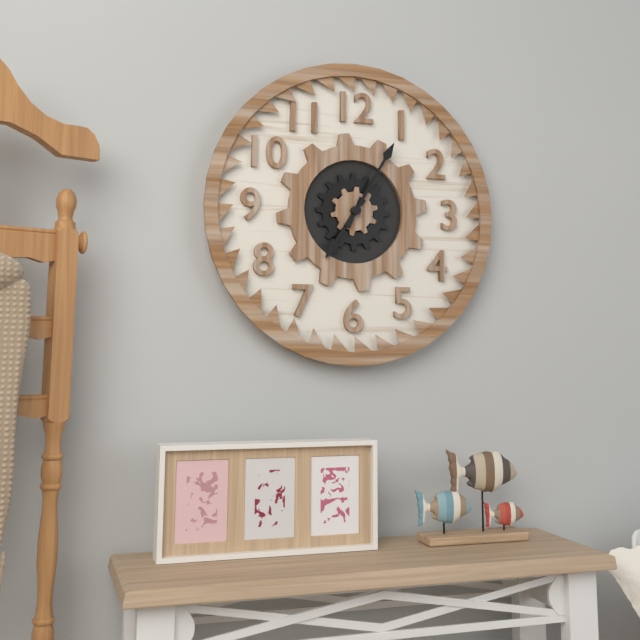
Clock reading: **7:05**
